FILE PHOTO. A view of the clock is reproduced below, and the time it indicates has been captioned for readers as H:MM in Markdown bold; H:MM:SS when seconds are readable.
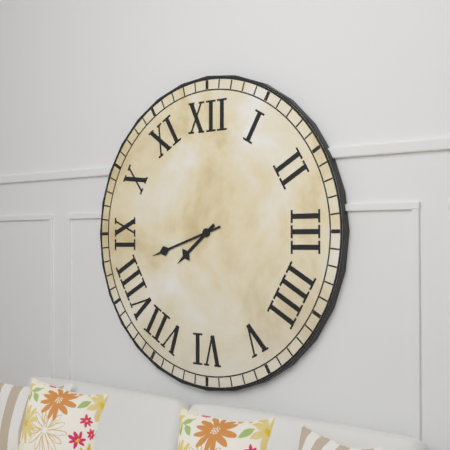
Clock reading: **7:42**
